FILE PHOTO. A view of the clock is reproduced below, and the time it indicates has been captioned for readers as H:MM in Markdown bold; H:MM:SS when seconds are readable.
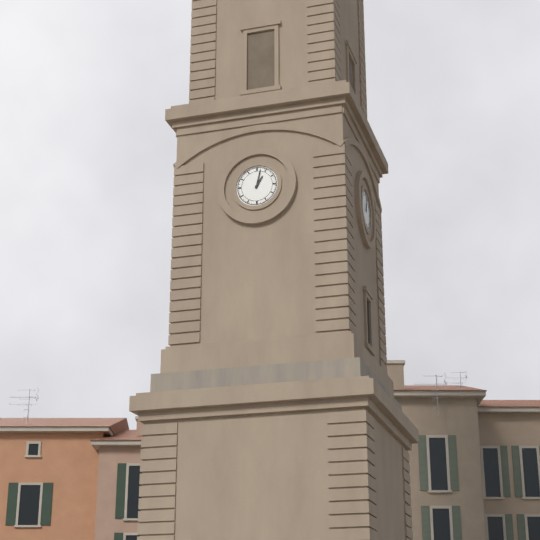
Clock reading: **1:02**
